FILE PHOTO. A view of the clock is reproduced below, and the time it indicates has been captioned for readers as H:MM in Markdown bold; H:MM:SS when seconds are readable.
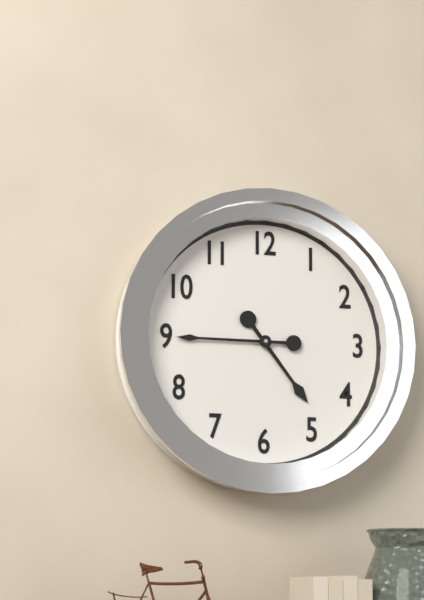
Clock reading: **4:45**
